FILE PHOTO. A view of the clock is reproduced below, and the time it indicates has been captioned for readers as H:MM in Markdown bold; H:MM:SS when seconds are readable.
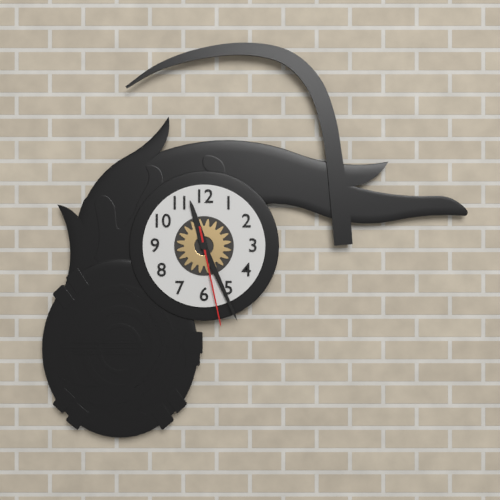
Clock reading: **11:26:28**
